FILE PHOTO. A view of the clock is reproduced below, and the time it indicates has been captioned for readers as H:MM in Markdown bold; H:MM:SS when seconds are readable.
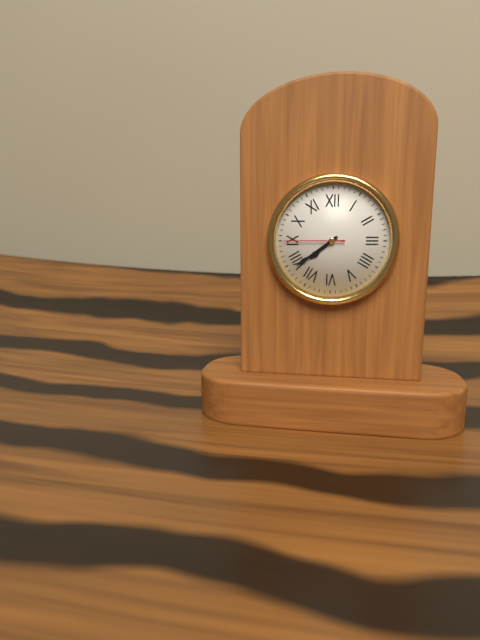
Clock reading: **7:39:45**
